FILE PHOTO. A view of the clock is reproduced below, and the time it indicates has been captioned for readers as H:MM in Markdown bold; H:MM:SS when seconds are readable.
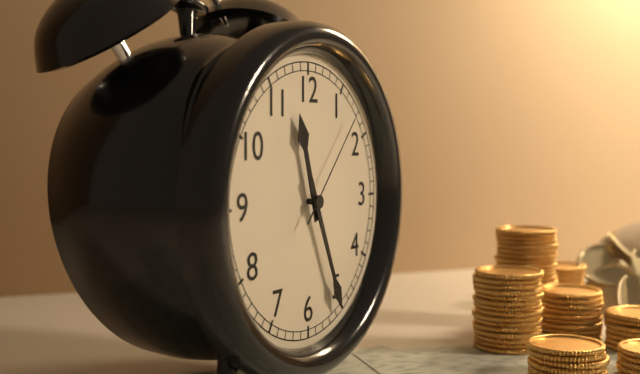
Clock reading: **11:26:07**
